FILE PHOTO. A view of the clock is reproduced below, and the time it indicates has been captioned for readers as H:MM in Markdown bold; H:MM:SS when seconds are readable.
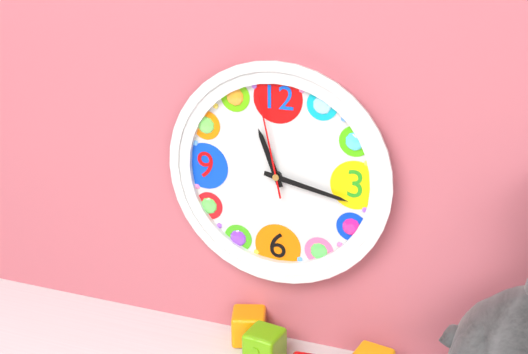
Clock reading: **11:17:58**
